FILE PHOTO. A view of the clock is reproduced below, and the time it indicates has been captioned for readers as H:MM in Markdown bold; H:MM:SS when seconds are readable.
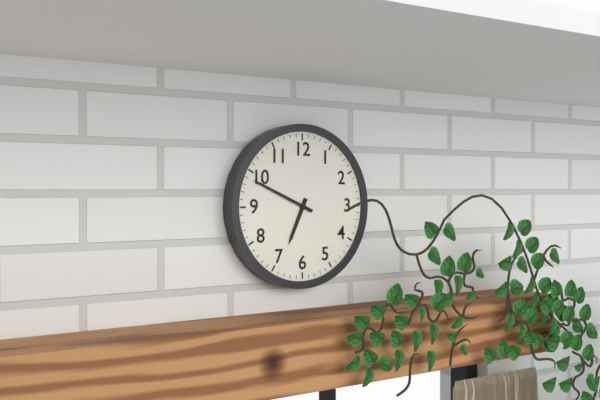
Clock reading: **6:49**
